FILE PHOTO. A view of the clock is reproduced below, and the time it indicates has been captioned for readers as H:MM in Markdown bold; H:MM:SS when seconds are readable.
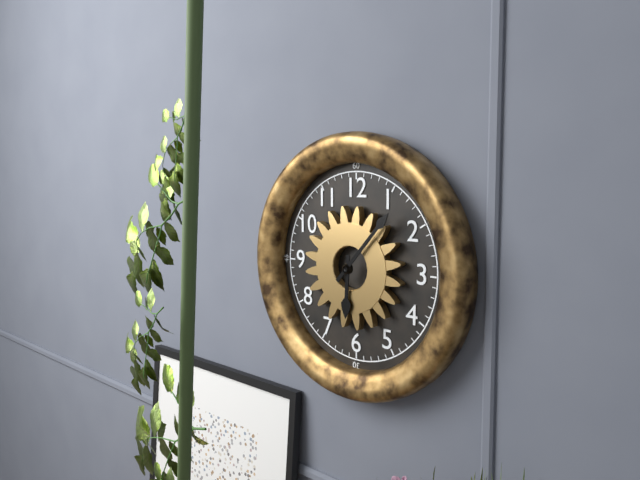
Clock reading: **6:07**
